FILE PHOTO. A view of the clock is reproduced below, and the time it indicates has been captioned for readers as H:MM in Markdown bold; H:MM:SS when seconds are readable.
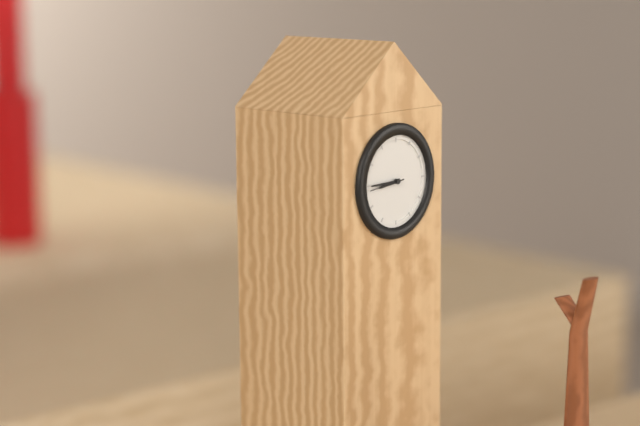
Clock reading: **8:45**
